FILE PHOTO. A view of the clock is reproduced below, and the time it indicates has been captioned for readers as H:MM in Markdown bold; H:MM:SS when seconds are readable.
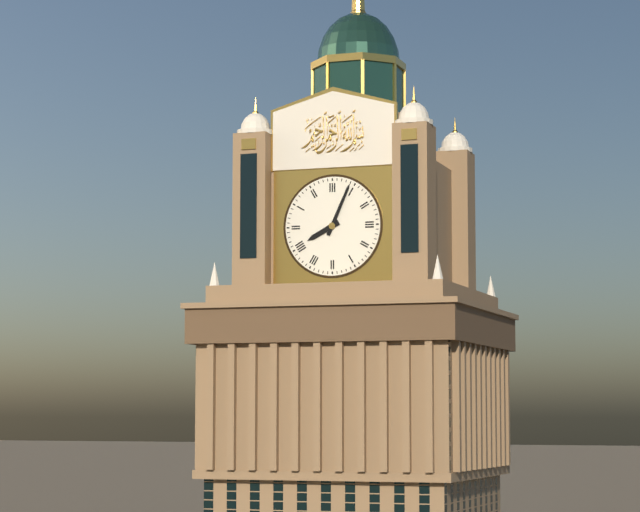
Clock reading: **8:04**
